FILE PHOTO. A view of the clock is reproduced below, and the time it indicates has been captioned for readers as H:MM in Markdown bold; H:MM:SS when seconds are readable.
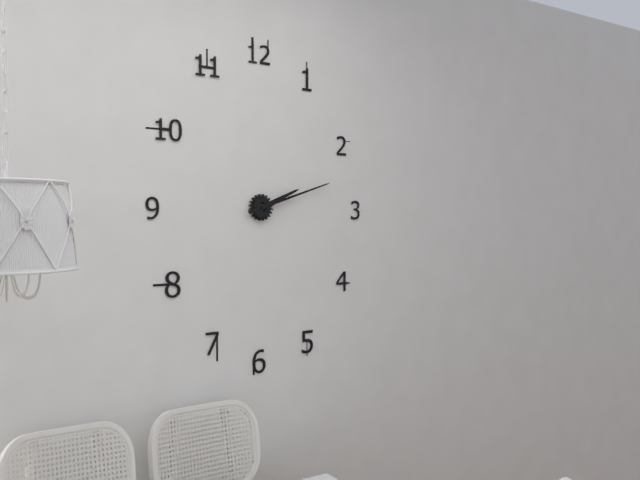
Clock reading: **2:12**
